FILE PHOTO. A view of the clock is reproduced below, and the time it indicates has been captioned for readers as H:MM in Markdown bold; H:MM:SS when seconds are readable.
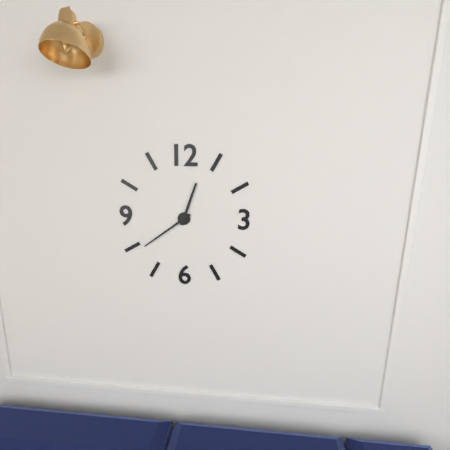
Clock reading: **12:39**
